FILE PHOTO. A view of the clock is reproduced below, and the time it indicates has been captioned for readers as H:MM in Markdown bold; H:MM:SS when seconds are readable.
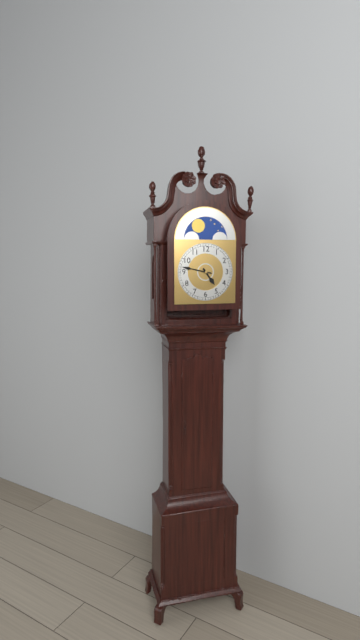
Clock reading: **4:47**
